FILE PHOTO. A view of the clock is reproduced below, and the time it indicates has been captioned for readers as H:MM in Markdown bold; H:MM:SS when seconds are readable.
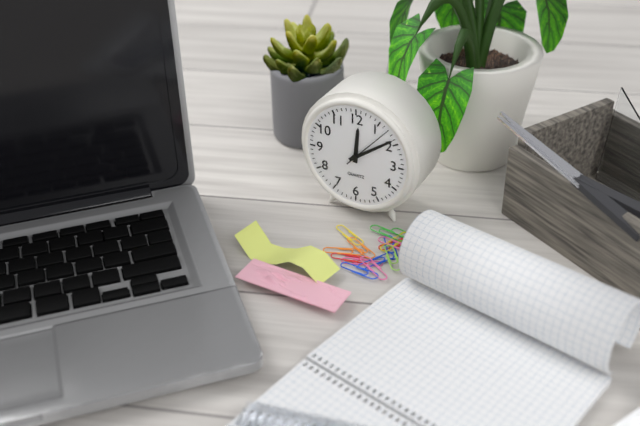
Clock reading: **12:09:07**
